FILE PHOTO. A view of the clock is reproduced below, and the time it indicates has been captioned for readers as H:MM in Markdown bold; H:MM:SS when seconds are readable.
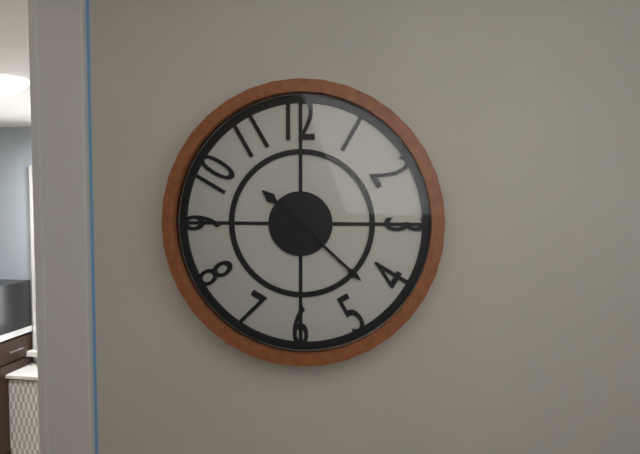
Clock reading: **10:22**
